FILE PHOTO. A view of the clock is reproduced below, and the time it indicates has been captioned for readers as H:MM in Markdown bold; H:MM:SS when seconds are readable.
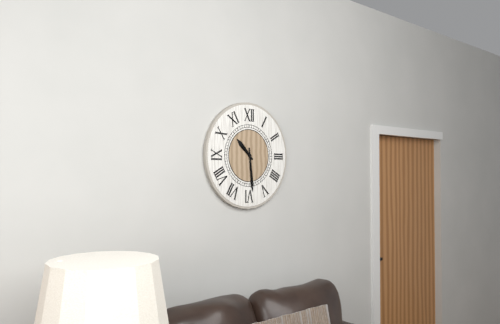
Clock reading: **10:29**
